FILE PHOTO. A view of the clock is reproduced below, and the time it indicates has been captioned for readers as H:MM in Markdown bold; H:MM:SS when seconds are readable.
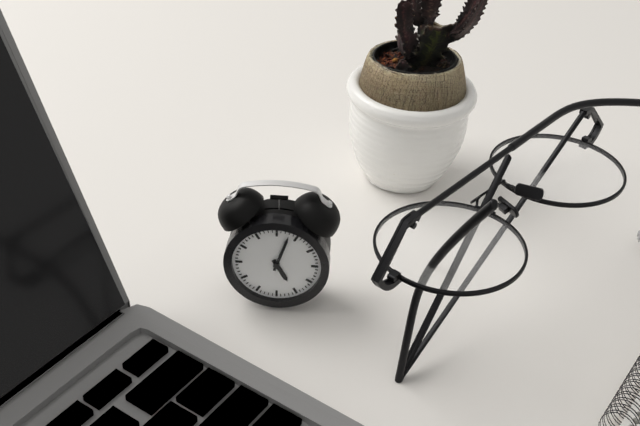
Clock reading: **5:03**
